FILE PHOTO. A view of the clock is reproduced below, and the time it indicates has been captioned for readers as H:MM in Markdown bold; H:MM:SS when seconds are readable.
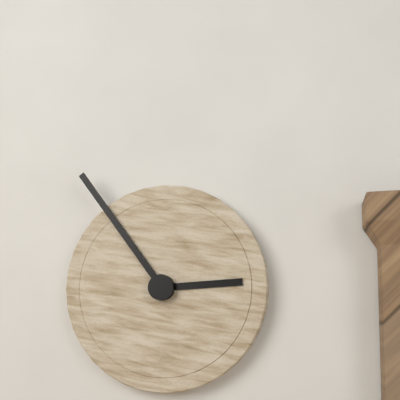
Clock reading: **2:54**
